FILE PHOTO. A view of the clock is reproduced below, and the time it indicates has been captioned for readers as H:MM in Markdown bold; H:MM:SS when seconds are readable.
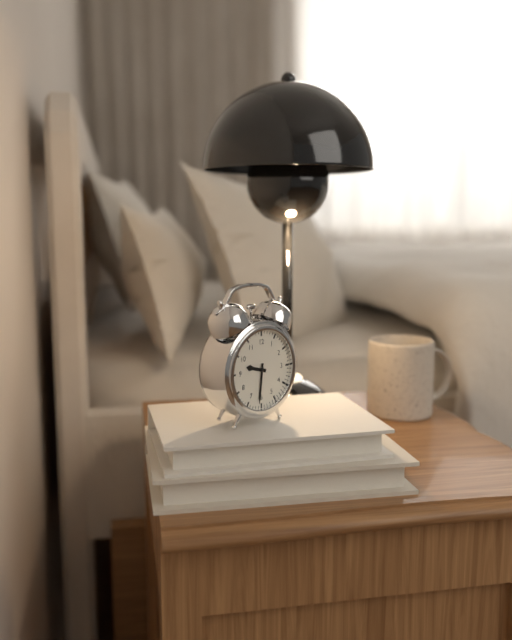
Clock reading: **9:31**
